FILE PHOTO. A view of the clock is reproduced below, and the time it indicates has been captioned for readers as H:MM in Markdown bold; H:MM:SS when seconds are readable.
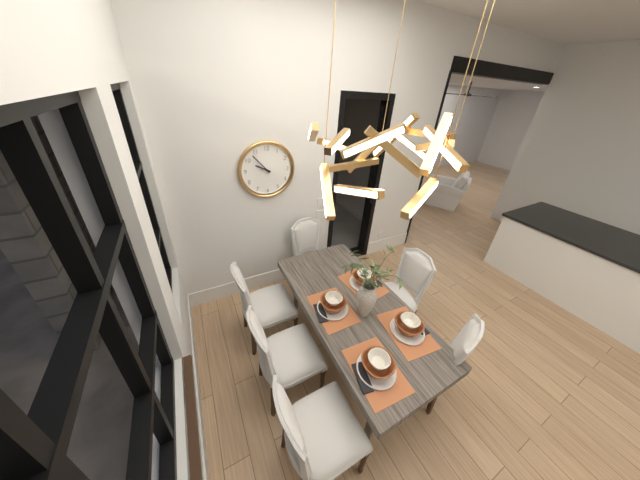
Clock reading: **9:53**
